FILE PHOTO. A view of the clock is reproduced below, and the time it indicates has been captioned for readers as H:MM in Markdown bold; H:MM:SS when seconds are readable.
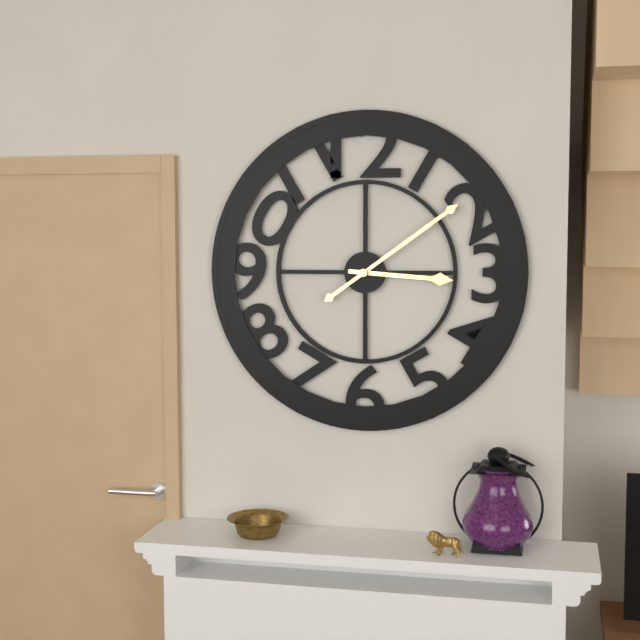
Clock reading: **3:09**
